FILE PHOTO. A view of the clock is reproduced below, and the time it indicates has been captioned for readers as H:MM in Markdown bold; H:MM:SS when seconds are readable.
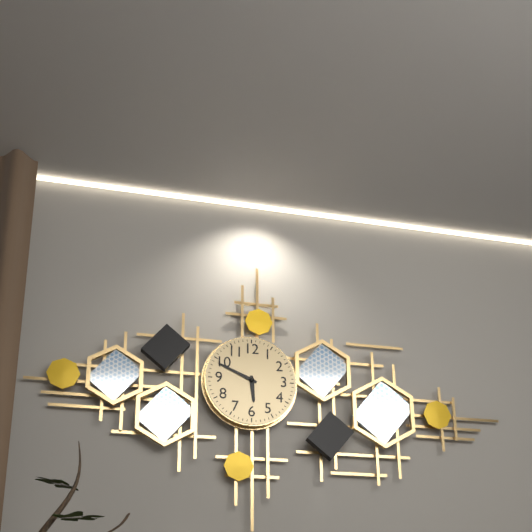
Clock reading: **5:49**
